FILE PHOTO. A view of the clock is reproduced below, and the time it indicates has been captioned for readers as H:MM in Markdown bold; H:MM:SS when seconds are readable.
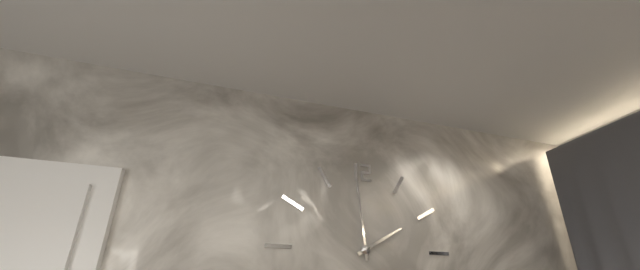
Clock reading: **1:59**
